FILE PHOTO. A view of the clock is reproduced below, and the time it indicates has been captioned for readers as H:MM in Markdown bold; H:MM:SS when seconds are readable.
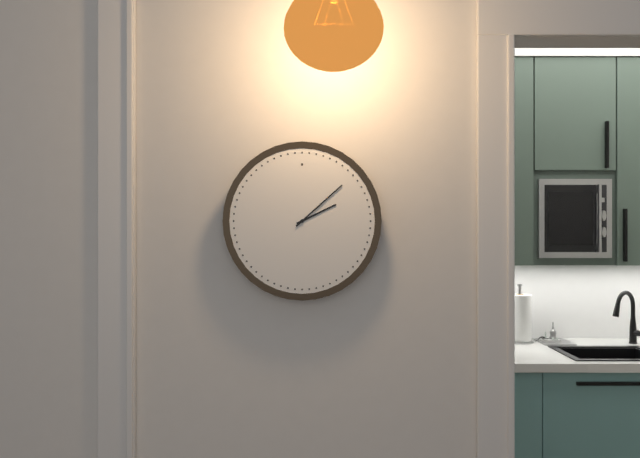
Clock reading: **2:08**
